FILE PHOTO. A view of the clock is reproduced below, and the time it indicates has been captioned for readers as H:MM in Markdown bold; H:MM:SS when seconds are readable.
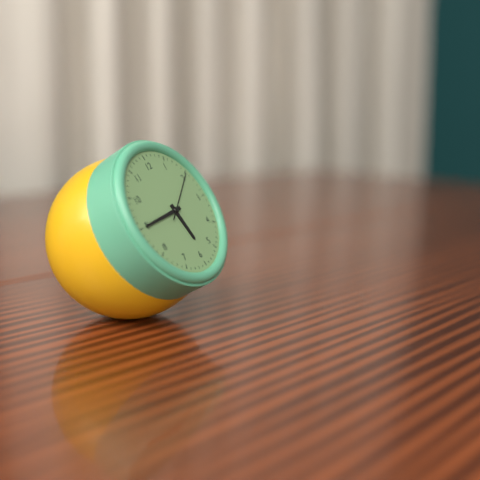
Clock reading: **5:45**
